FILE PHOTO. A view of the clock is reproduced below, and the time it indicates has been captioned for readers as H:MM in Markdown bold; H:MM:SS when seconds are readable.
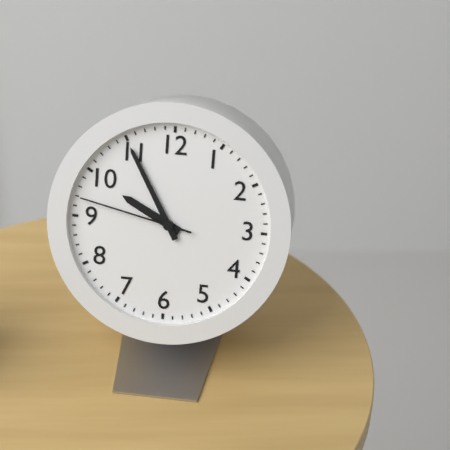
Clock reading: **9:55:47**
